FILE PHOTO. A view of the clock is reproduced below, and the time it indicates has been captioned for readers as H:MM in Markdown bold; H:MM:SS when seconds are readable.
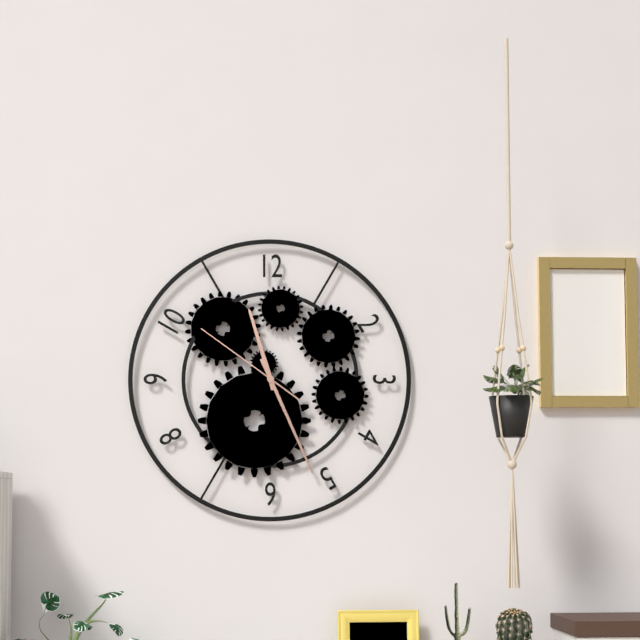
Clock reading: **11:26:51**
